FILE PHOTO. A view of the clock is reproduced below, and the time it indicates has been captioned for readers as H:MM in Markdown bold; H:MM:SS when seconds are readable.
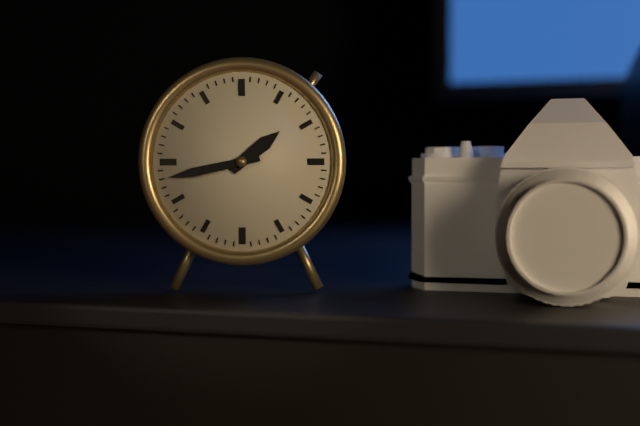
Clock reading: **1:43**
